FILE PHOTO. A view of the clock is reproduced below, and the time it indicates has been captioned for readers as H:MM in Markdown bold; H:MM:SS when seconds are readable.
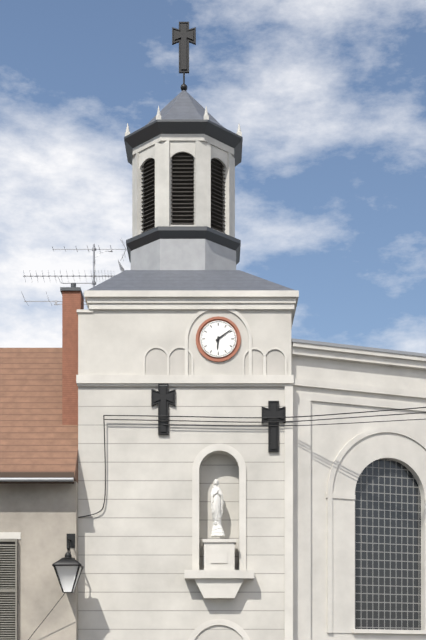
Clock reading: **6:09**
